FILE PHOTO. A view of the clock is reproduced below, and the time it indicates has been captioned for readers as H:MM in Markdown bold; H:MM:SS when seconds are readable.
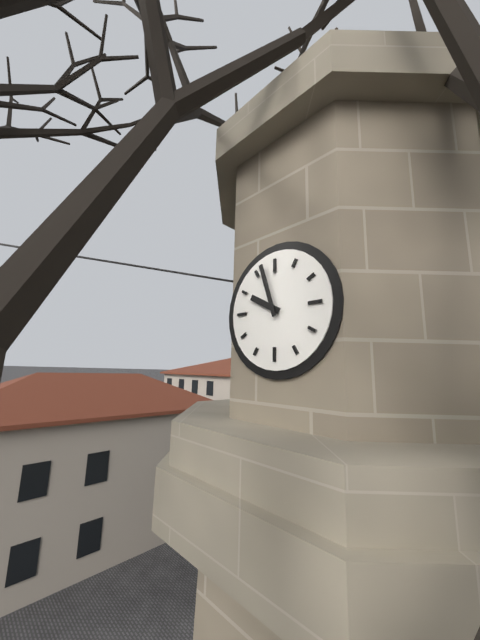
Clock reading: **9:57**
